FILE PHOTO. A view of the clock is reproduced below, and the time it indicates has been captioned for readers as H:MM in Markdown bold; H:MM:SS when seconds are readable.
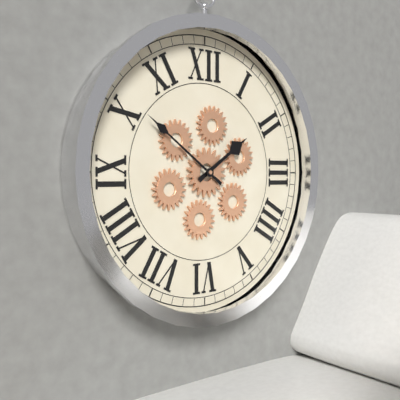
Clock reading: **1:51**
